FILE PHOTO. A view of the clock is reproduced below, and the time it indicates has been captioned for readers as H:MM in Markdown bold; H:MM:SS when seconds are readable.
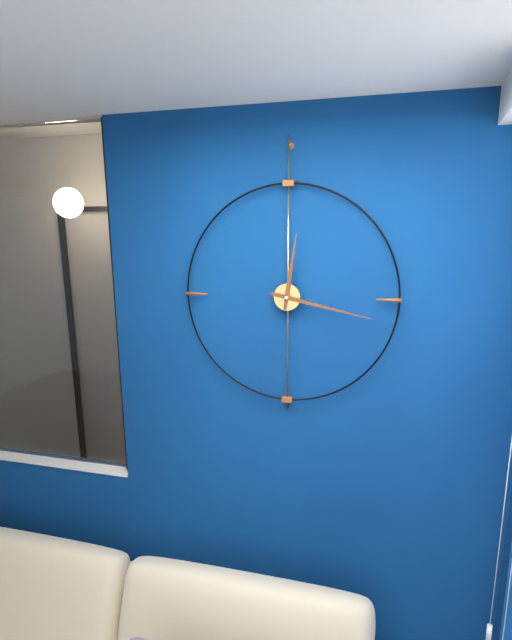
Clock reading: **12:17**
